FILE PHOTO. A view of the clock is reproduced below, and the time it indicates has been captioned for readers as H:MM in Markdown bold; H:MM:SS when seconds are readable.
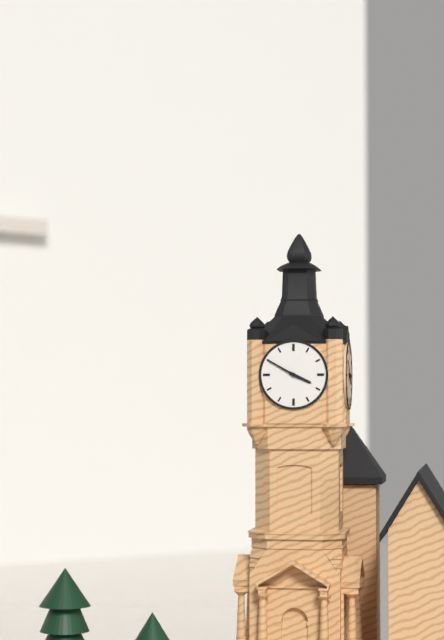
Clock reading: **3:50**
